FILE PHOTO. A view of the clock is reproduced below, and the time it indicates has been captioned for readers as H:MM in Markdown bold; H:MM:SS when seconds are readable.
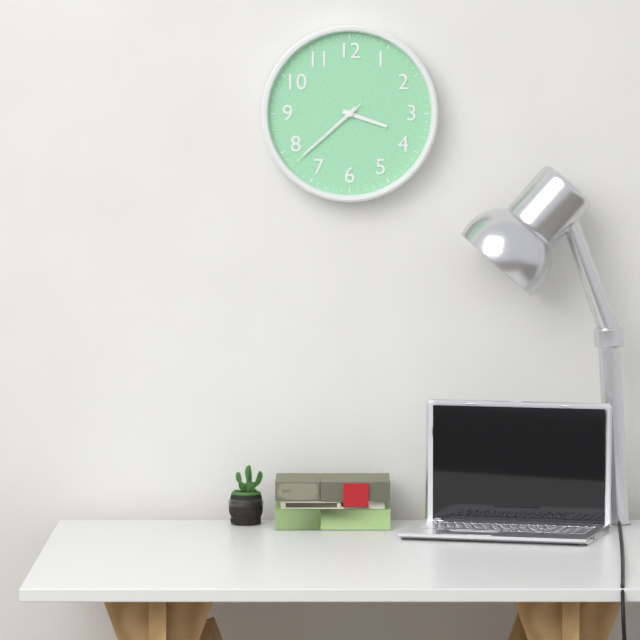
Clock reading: **3:38:38**
